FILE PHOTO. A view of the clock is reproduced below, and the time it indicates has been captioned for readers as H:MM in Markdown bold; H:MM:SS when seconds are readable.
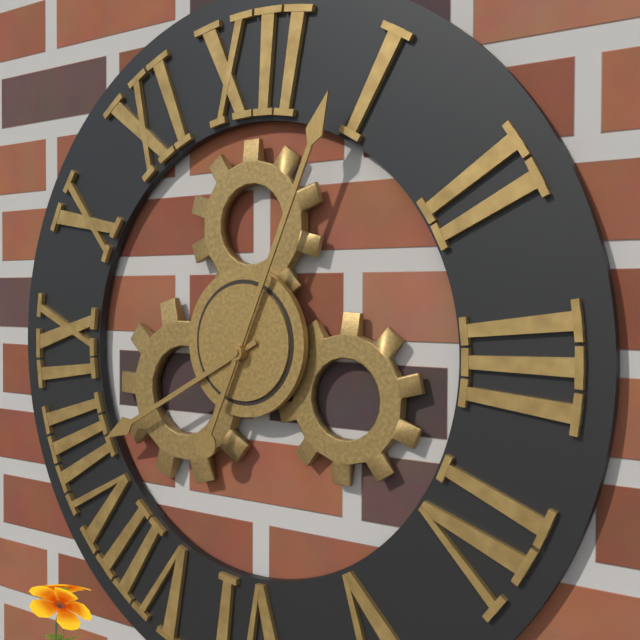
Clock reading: **8:04**
